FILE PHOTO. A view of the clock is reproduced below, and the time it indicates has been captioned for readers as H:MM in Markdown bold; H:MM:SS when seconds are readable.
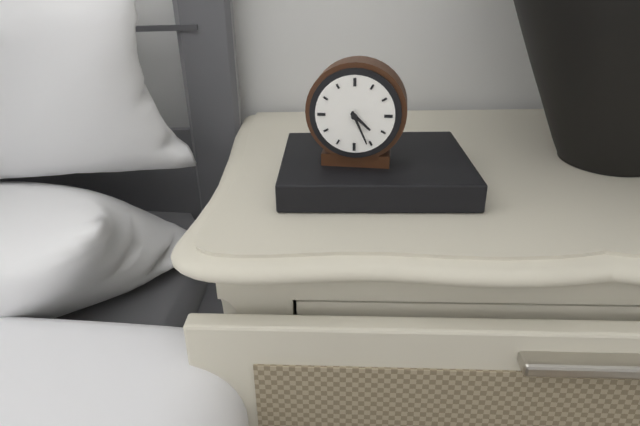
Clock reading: **4:26**
